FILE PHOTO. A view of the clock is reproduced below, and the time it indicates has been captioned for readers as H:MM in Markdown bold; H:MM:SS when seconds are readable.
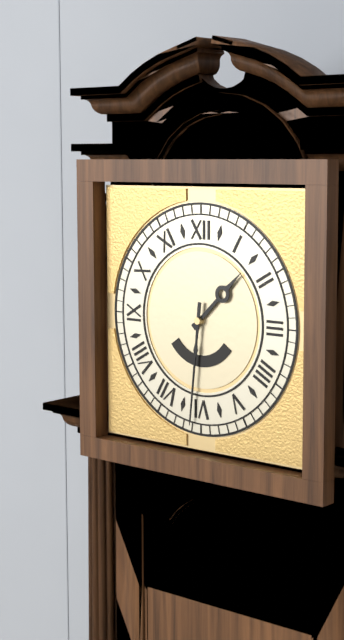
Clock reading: **1:31**
